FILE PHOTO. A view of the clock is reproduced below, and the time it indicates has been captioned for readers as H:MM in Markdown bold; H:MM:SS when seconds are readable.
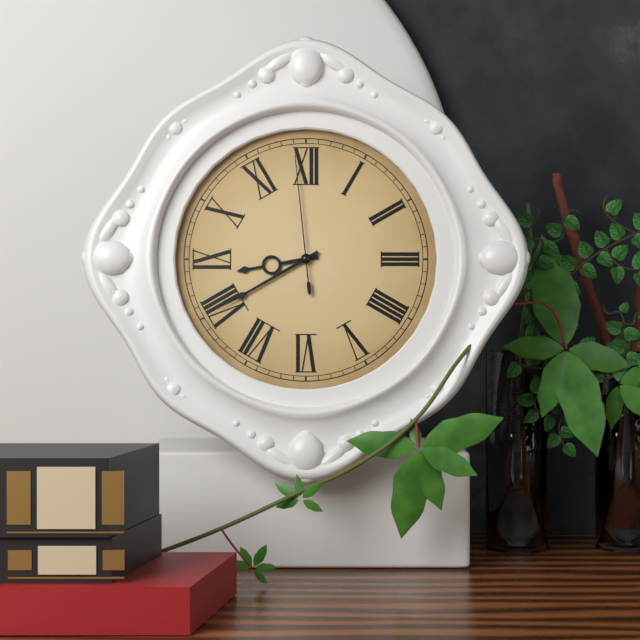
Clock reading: **8:40:59**
